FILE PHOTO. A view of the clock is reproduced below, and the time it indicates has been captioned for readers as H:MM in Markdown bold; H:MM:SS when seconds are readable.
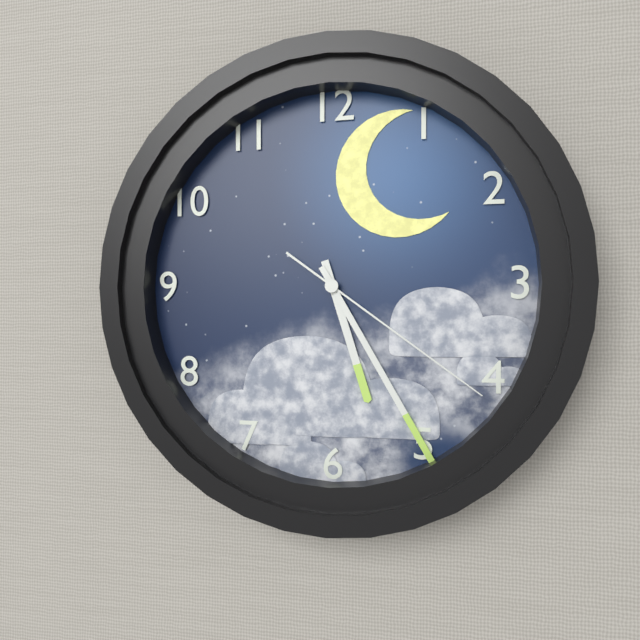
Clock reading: **5:25:21**
